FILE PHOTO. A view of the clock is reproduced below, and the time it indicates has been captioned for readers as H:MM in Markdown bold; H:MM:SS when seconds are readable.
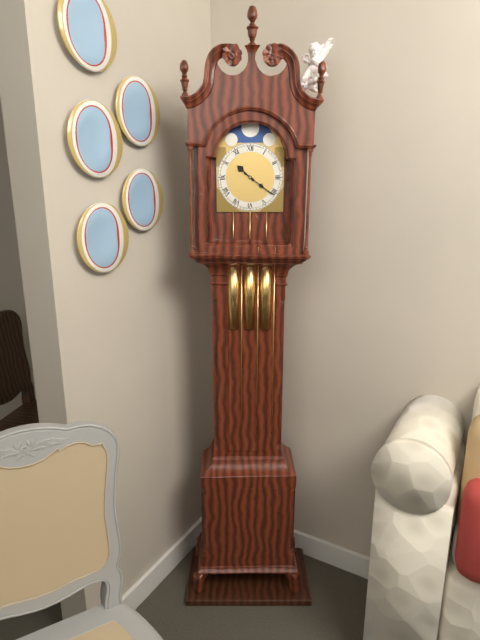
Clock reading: **10:21**
